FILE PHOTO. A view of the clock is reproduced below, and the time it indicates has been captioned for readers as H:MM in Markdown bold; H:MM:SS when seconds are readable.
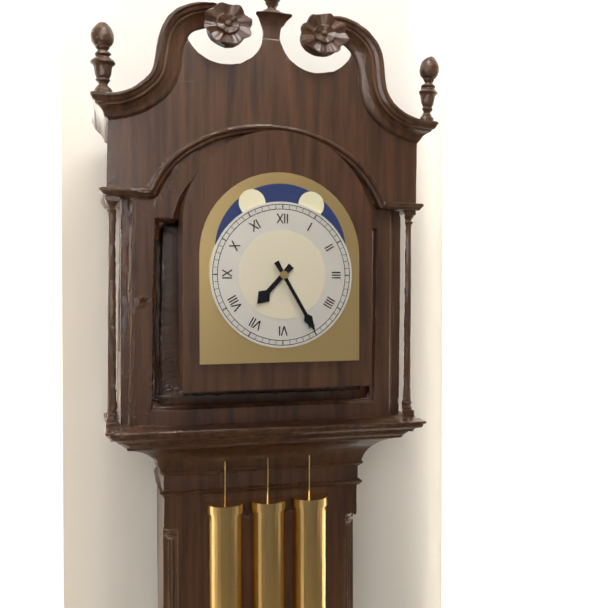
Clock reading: **7:25**
